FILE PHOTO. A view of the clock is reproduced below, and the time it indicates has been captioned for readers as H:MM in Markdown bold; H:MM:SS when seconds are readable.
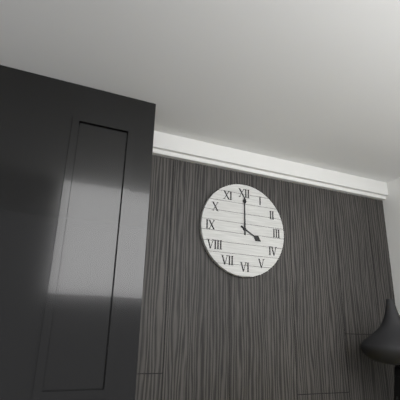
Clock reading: **4:00**
